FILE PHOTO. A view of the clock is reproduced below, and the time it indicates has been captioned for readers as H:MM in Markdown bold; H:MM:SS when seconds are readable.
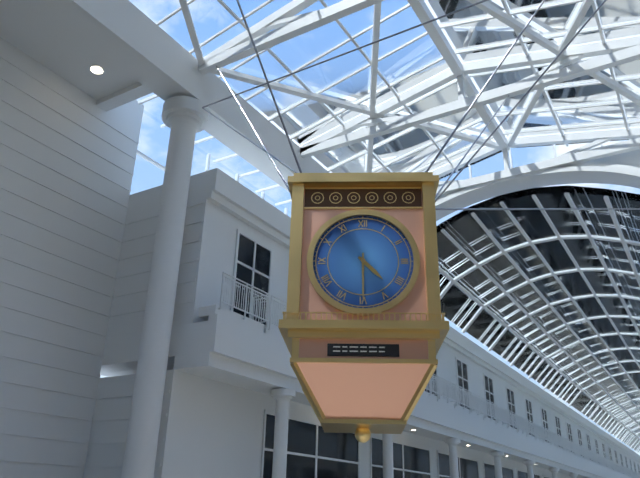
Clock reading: **4:30**
